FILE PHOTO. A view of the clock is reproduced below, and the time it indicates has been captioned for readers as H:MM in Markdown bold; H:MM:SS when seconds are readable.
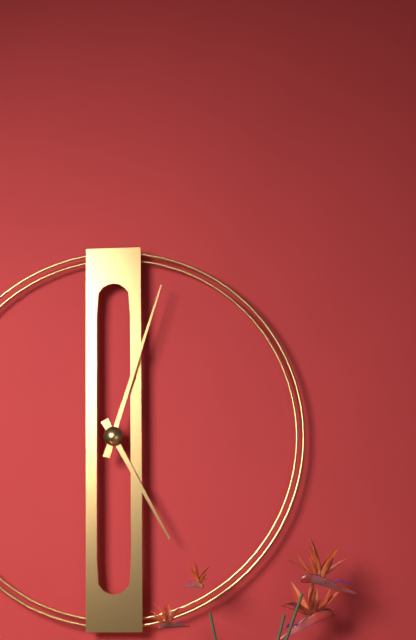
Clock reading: **5:03**
